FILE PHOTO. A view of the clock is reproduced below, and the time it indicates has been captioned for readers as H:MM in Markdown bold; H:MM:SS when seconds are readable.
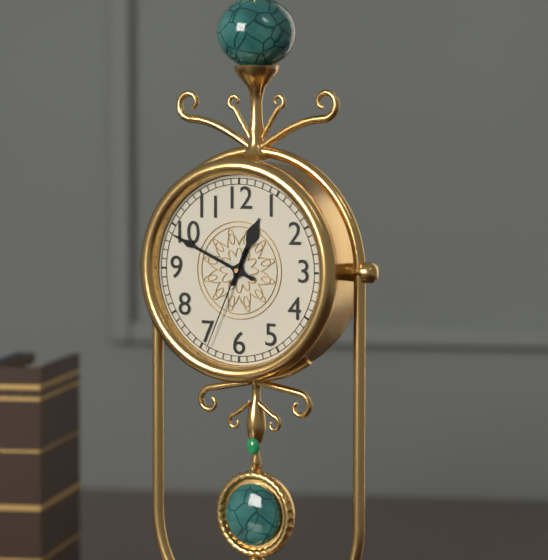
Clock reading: **12:49:34**
